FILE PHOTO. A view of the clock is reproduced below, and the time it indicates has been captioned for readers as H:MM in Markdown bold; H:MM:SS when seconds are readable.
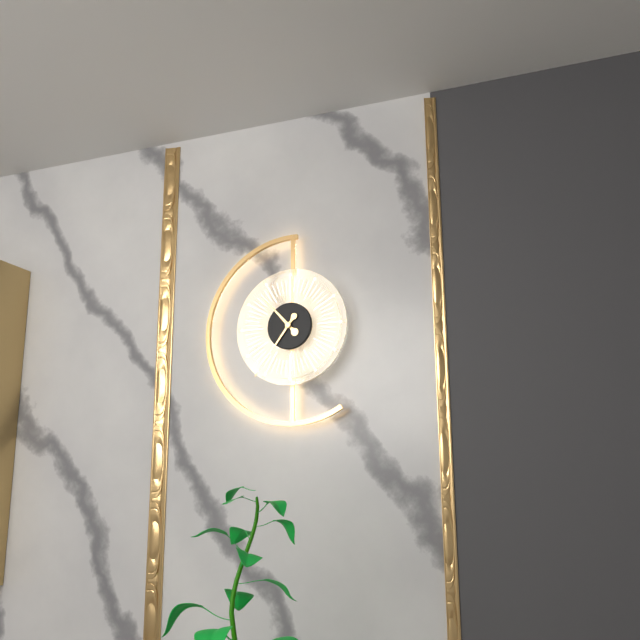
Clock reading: **10:36**
